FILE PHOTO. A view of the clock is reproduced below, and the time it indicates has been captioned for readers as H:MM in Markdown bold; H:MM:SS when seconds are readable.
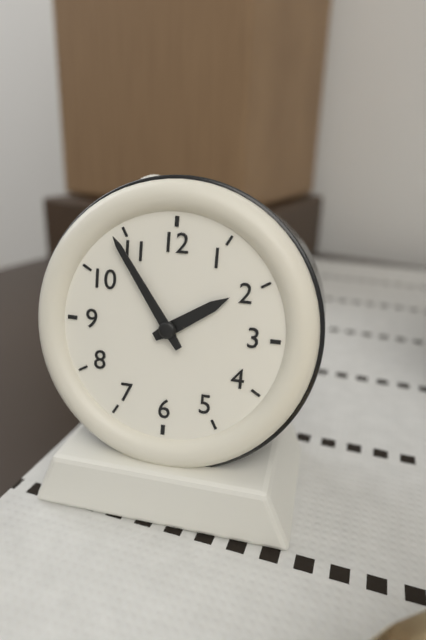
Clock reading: **1:54**
